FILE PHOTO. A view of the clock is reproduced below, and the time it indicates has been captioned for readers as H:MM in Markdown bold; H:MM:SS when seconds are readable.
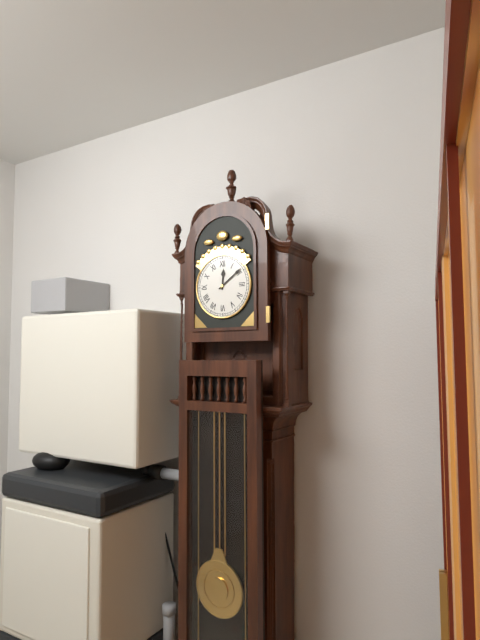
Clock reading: **12:09**
